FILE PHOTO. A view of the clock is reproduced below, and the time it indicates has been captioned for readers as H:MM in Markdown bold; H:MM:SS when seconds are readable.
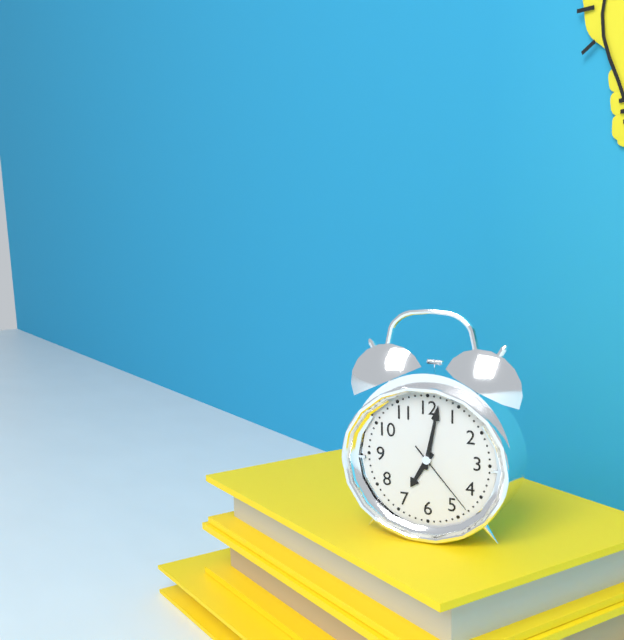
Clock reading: **7:02:23**
